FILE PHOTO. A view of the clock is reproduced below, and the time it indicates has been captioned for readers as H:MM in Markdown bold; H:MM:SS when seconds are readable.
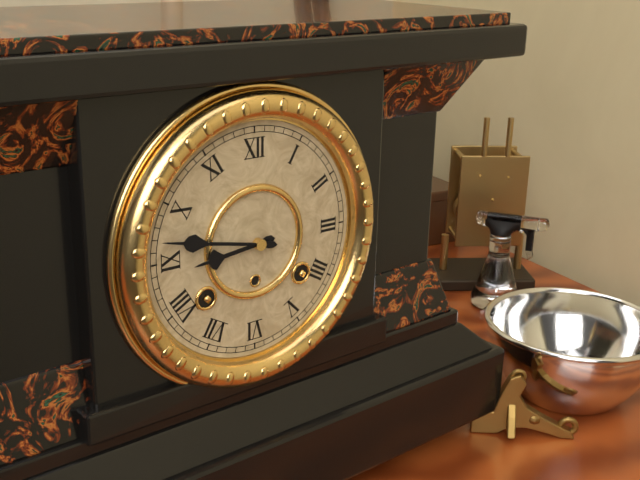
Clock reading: **8:47**
